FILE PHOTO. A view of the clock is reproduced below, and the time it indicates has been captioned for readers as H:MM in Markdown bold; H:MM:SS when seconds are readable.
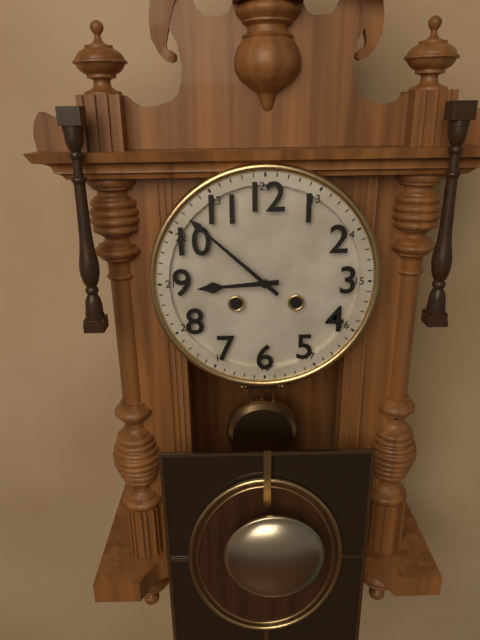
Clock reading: **8:52**
